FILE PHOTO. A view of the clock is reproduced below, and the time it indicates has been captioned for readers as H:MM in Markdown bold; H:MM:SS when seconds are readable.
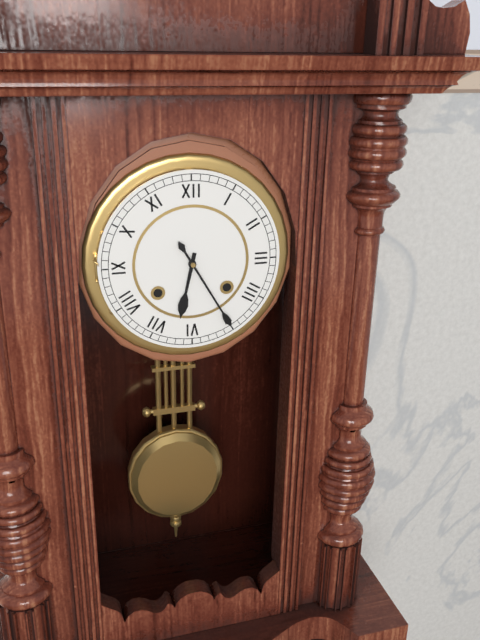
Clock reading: **6:25**
